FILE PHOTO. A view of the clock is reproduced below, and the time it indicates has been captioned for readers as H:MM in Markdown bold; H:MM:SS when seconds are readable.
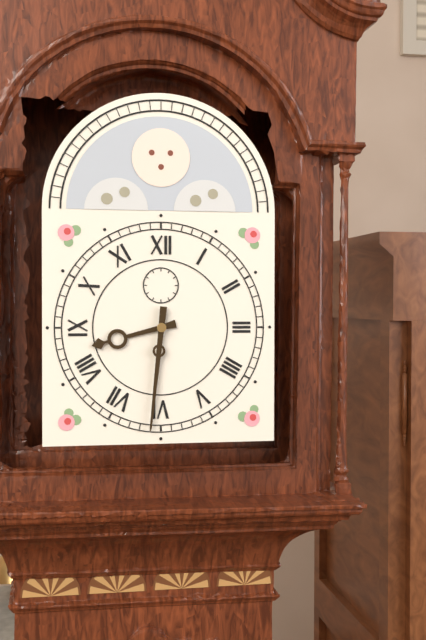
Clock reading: **8:31**
